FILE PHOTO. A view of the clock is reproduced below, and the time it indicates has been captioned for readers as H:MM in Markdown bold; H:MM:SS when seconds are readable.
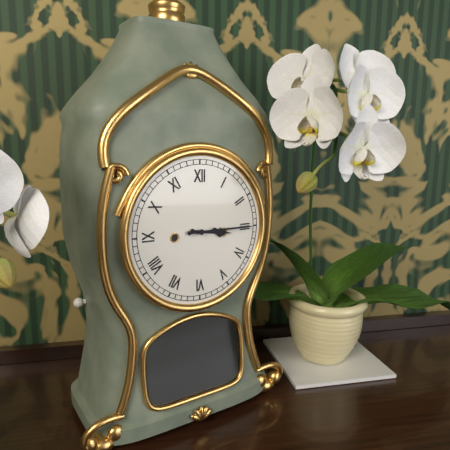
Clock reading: **3:15**
